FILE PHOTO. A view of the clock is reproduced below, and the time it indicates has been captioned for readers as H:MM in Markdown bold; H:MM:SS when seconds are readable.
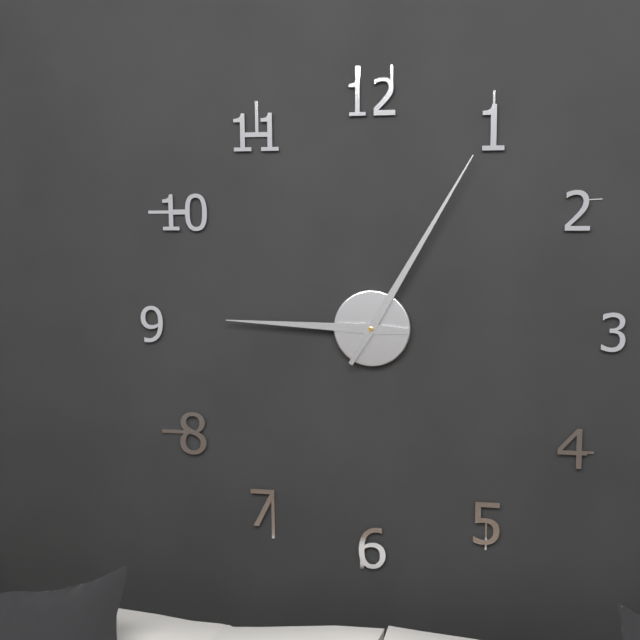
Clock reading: **9:05**
